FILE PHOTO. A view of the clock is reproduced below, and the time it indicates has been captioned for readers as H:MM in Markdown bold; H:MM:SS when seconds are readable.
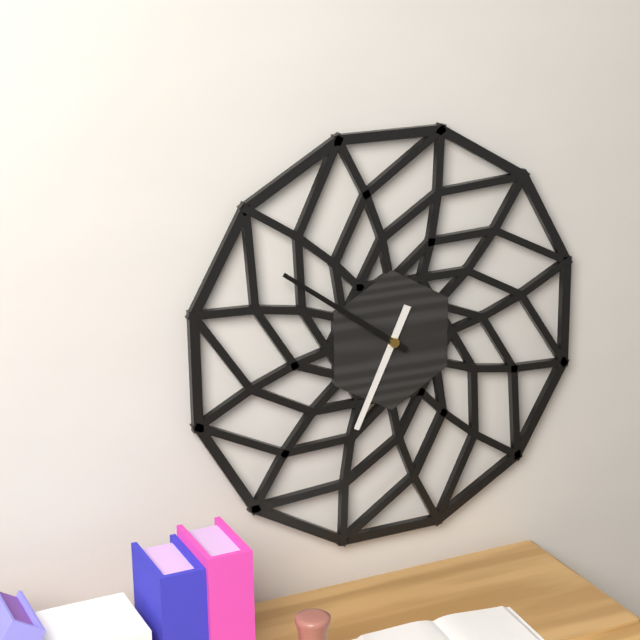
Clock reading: **6:51**
